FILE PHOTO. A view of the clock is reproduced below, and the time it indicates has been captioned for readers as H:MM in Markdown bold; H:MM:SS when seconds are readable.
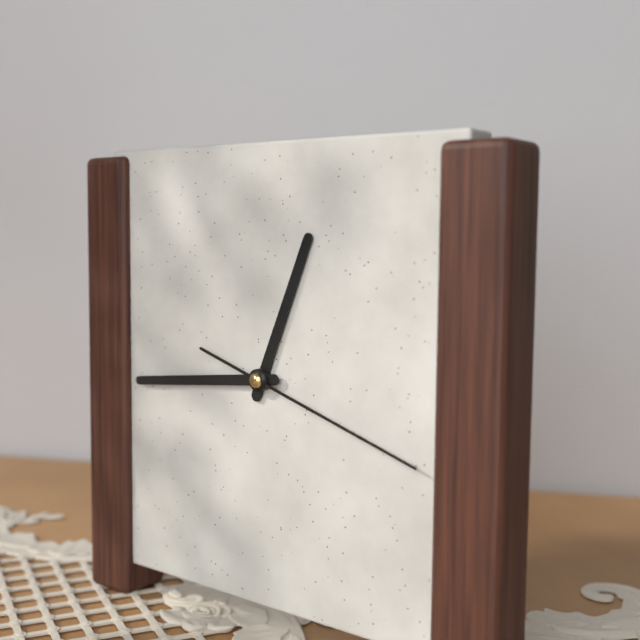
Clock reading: **12:44:18**
